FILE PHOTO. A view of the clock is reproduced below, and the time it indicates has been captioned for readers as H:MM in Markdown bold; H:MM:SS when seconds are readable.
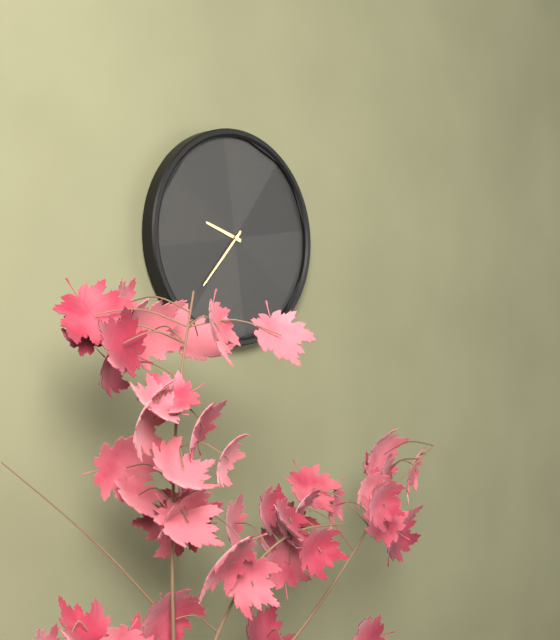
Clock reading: **9:37**
